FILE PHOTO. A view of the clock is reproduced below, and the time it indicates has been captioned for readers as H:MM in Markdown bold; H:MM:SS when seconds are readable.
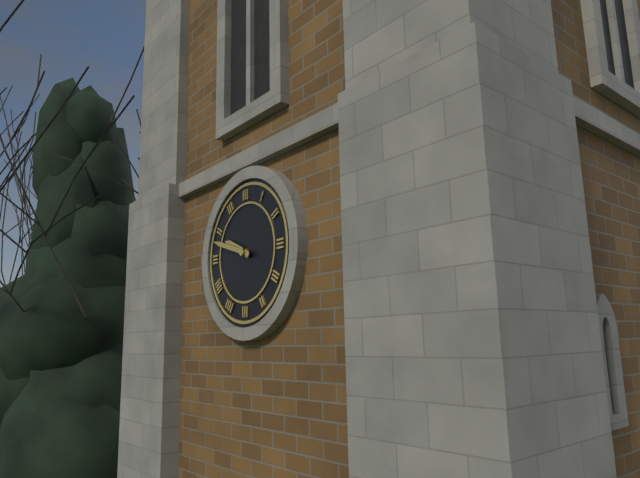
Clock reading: **9:48**
